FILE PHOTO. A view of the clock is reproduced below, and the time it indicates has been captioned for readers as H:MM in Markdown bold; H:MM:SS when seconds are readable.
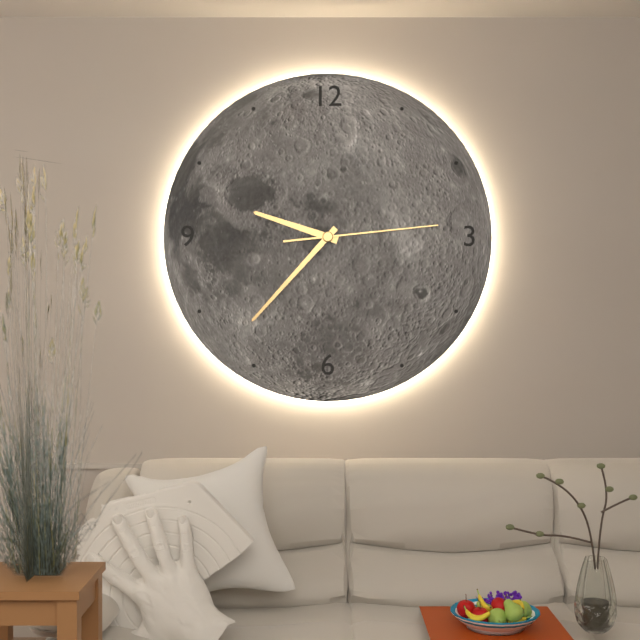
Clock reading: **9:37:14**
